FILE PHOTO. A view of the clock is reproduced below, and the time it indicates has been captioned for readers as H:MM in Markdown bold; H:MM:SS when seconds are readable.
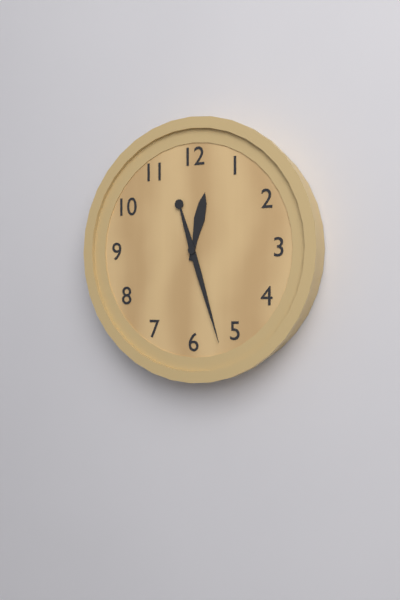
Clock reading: **12:27**
